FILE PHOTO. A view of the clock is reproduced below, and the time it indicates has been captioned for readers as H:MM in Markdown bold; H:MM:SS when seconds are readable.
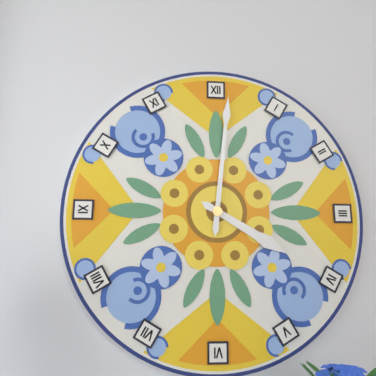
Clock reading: **4:01**
